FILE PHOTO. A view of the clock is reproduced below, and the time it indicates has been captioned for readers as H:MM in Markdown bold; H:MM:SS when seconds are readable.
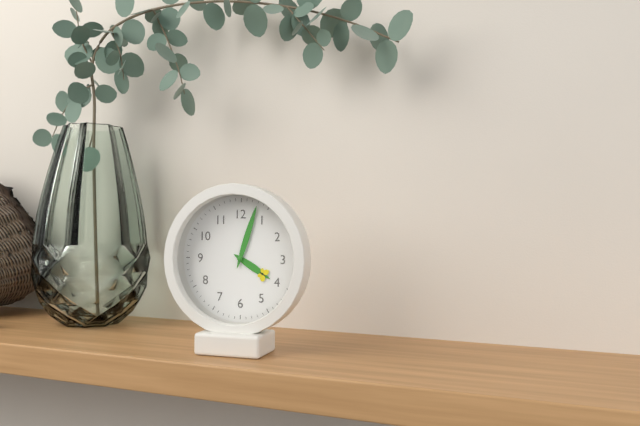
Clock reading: **4:03**
